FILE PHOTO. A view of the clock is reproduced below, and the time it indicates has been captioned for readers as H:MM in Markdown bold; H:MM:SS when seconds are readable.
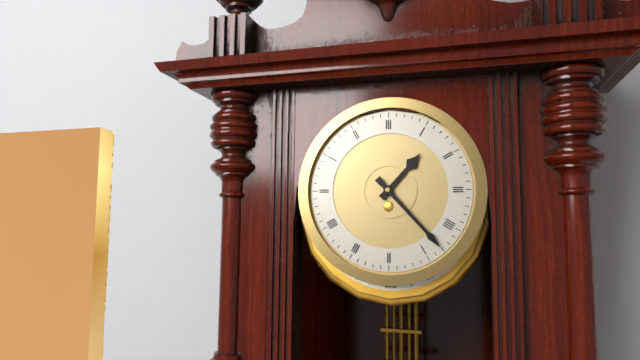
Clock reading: **1:23**
